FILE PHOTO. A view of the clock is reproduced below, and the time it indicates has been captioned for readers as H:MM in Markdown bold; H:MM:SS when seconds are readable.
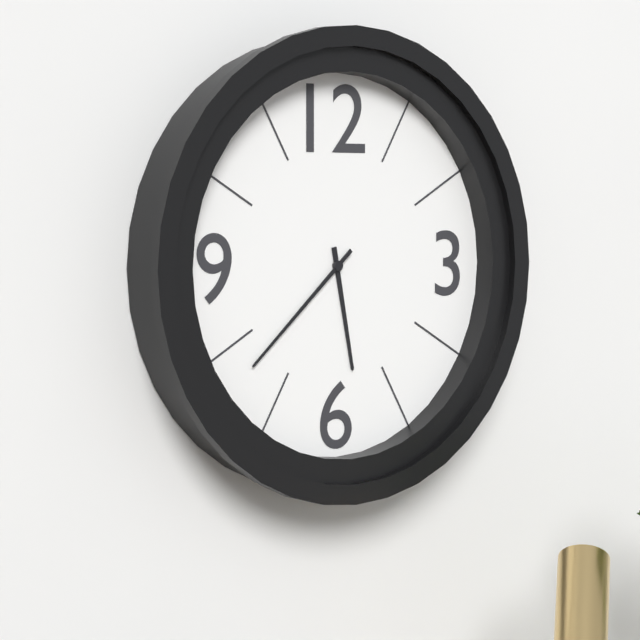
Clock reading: **5:38**
